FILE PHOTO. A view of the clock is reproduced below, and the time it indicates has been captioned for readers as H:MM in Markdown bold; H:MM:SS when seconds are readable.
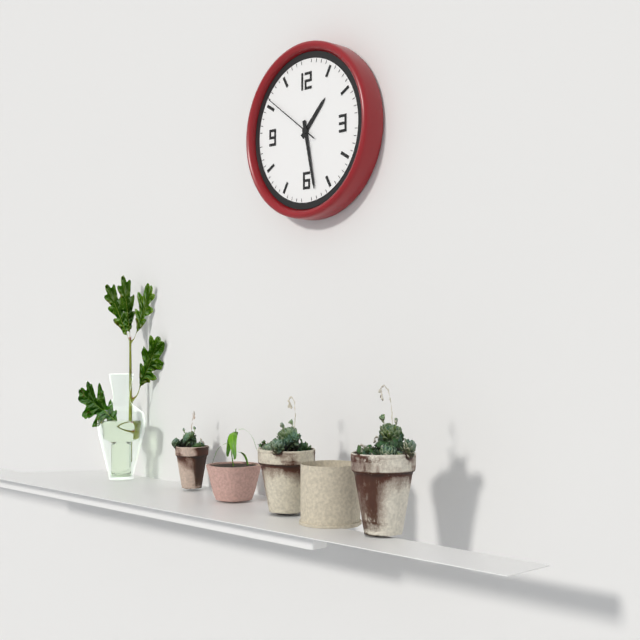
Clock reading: **1:28:51**
